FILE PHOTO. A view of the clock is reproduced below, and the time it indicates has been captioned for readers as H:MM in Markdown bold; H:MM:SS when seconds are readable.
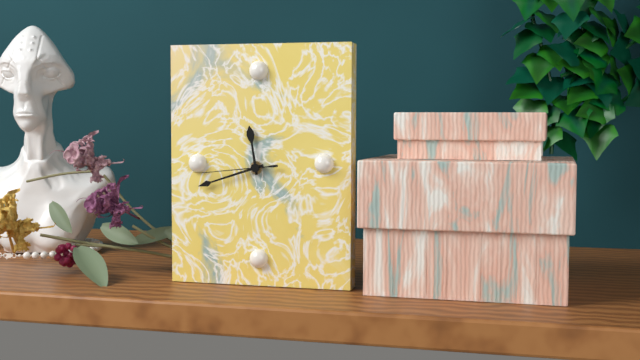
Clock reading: **11:42:44**
